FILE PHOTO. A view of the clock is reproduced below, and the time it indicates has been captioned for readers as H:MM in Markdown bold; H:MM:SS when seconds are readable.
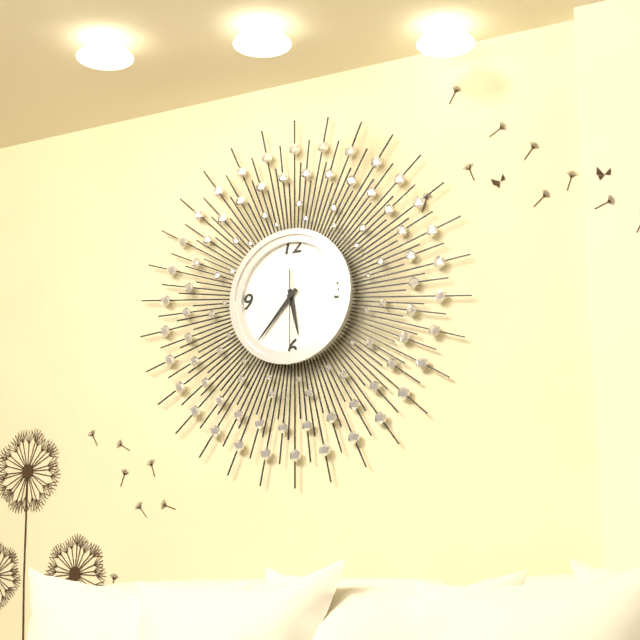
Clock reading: **5:37:30**
